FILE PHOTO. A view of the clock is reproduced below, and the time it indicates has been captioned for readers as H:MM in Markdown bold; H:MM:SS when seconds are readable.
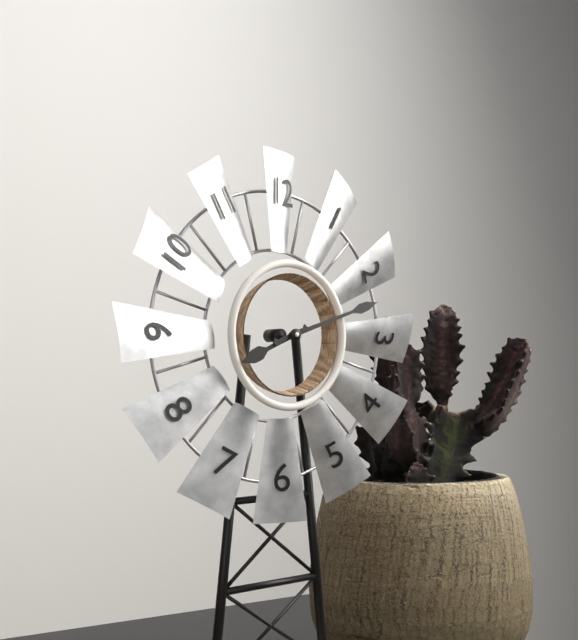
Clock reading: **8:12**
